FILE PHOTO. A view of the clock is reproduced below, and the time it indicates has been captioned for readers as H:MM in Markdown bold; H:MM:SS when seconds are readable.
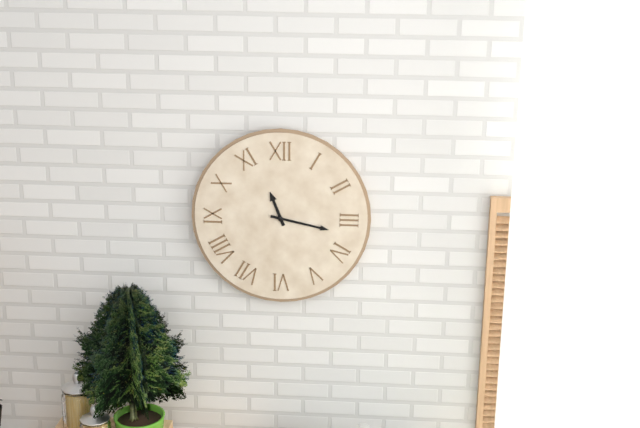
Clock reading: **11:17**
